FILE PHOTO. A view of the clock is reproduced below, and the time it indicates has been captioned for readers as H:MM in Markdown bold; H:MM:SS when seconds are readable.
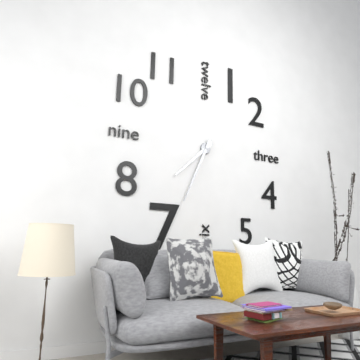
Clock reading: **7:34**
